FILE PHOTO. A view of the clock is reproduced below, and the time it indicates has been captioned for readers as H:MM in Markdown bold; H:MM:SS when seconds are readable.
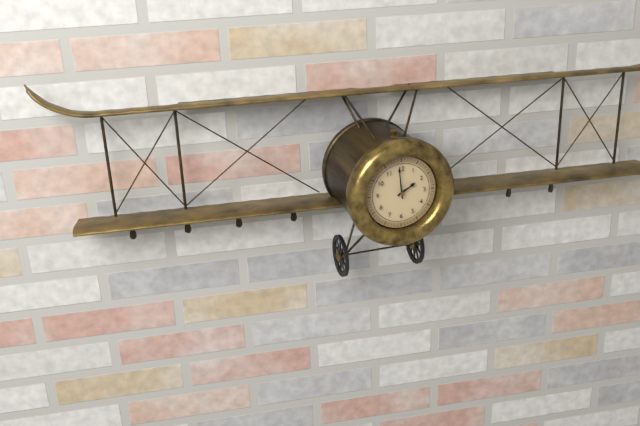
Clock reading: **1:59**
